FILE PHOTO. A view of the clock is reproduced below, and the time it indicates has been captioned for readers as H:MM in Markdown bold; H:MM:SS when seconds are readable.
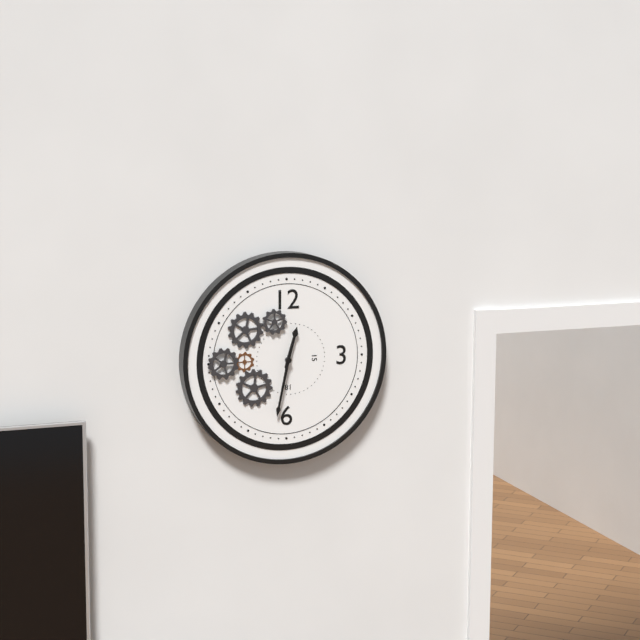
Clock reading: **12:32**
